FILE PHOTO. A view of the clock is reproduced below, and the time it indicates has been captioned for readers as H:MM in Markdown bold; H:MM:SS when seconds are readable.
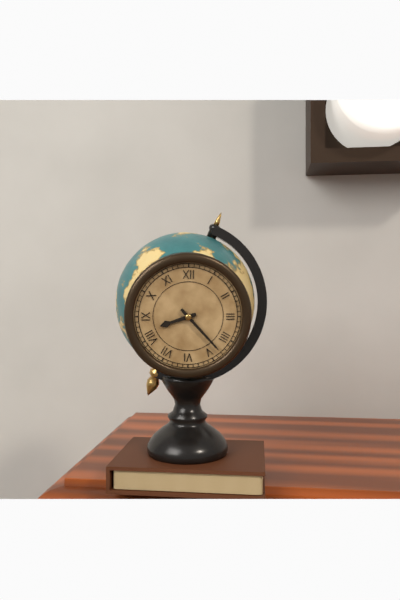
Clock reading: **8:23**
